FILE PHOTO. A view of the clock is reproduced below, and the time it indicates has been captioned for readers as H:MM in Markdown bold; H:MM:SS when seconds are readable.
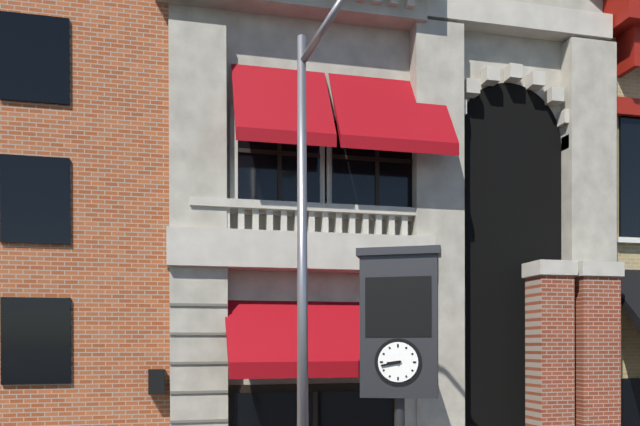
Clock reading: **8:43**
